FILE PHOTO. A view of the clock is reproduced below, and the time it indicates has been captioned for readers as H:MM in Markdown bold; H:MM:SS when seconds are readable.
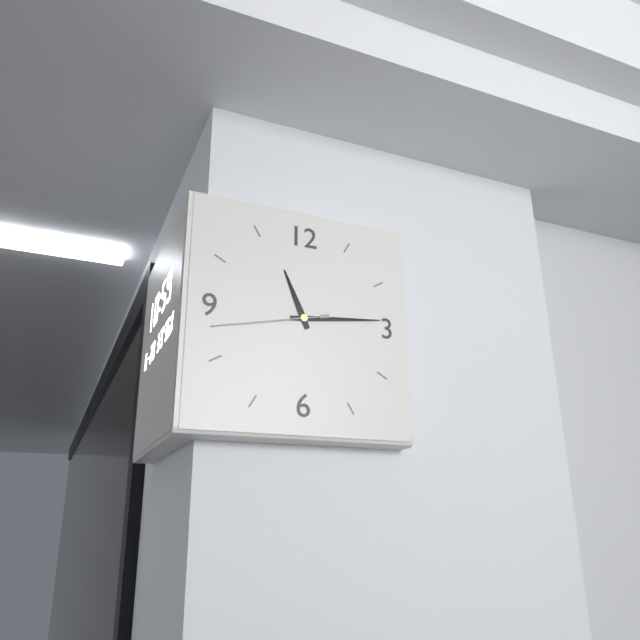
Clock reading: **11:14:43**
